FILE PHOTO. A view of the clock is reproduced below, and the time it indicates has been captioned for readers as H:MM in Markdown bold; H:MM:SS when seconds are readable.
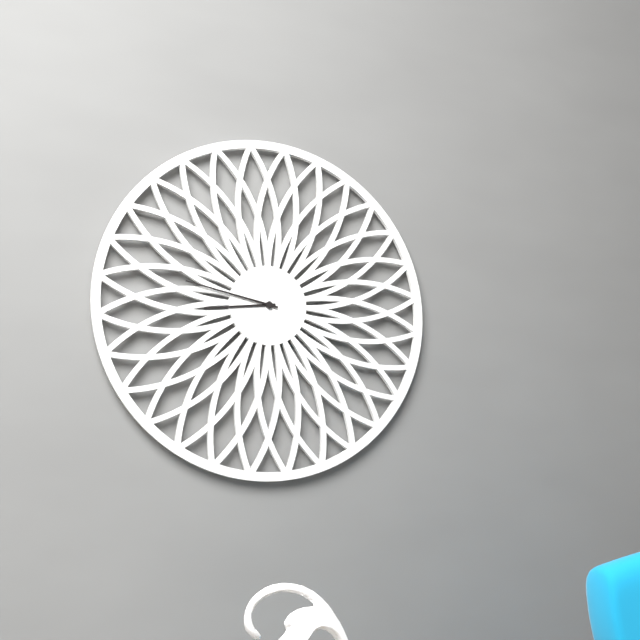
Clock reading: **8:47**
